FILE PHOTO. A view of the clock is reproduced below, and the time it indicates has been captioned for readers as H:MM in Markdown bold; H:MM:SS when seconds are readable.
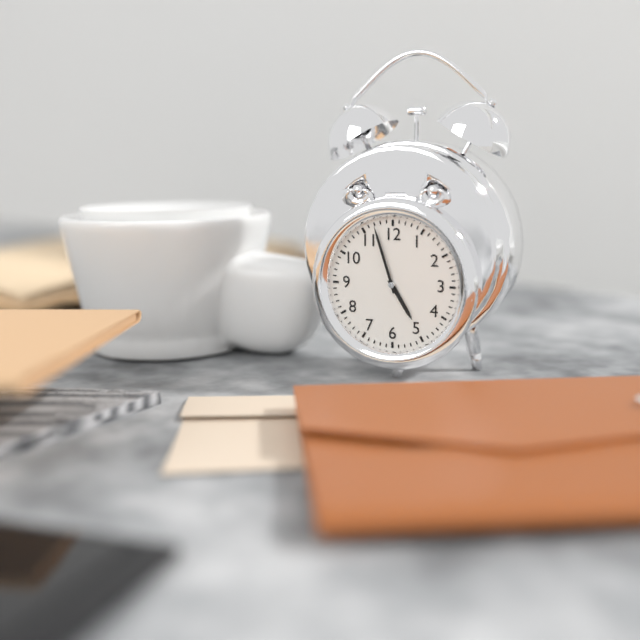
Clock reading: **4:57**
